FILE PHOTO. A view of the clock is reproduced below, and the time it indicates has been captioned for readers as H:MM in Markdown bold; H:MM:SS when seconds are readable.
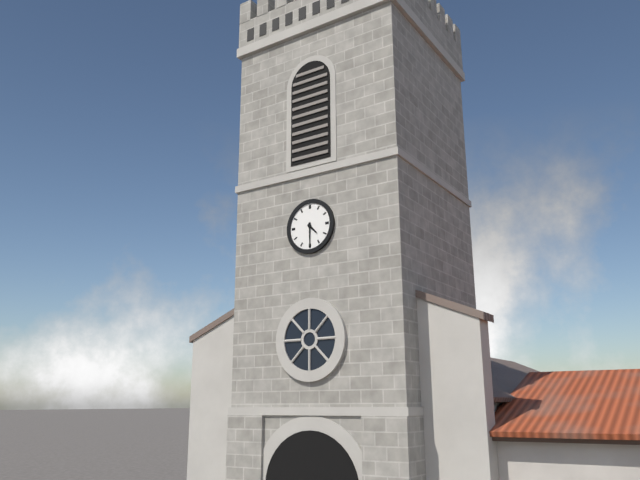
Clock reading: **4:30**
